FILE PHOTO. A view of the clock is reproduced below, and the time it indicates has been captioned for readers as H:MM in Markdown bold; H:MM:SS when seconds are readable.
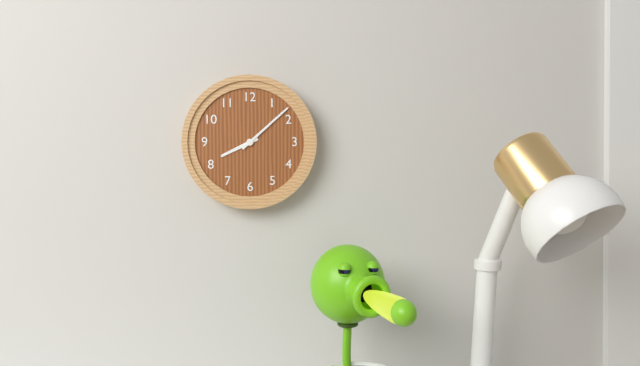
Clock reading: **8:08**
